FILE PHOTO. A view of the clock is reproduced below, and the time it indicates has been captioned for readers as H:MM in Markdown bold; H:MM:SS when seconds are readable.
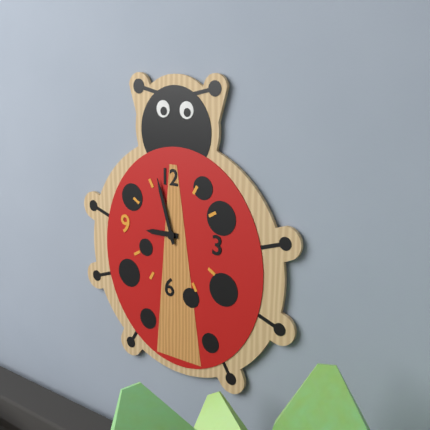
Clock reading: **8:57**
